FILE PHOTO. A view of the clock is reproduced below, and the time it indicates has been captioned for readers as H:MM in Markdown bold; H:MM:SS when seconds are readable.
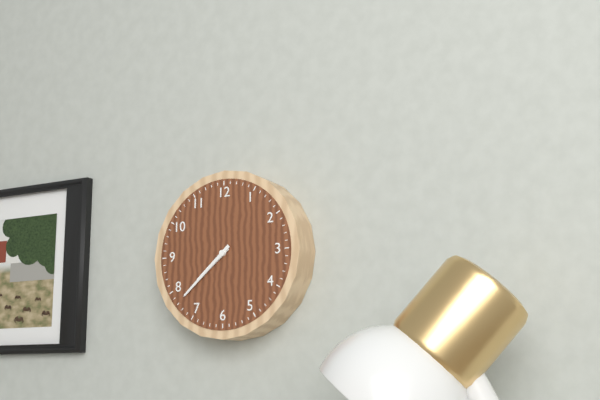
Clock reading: **7:38**
